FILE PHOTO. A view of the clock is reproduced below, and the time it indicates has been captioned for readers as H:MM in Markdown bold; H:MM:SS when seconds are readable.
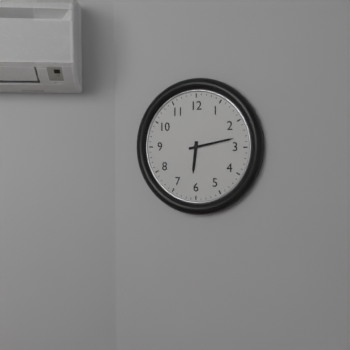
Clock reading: **6:13**
